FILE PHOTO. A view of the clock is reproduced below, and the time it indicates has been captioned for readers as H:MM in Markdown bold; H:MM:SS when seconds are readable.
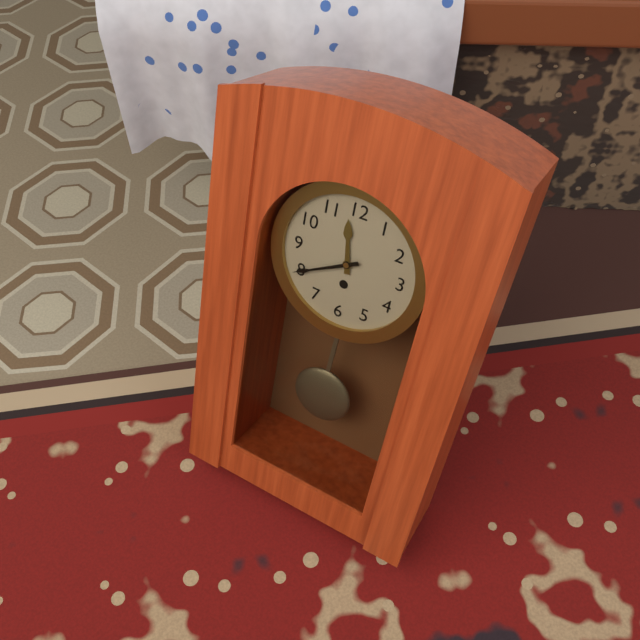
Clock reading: **11:40**
